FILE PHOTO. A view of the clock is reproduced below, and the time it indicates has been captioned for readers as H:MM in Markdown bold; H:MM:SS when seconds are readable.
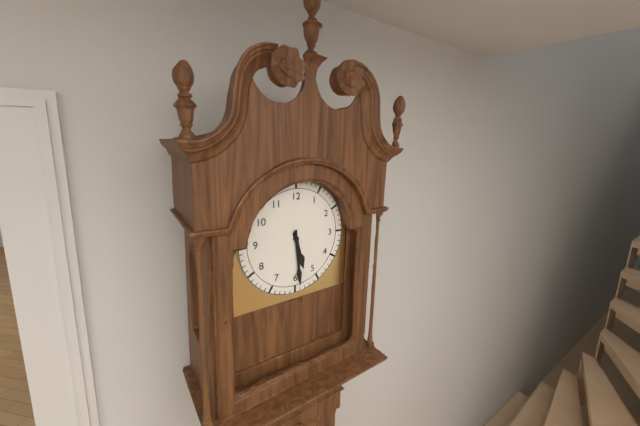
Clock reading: **5:29**
